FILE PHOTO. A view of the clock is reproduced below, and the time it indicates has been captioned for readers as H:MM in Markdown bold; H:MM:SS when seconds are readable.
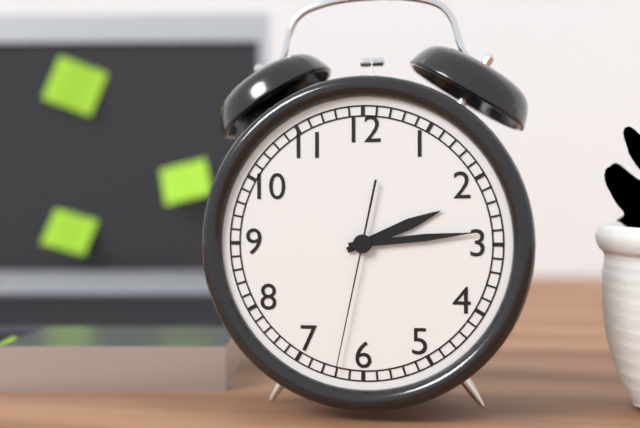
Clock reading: **2:14:32**
